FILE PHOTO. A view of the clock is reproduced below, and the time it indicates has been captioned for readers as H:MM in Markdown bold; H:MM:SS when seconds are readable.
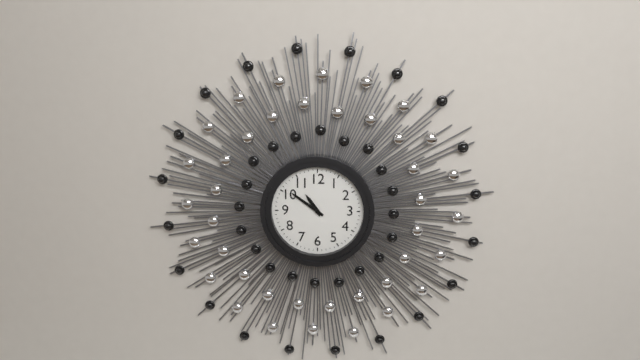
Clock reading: **10:51**
